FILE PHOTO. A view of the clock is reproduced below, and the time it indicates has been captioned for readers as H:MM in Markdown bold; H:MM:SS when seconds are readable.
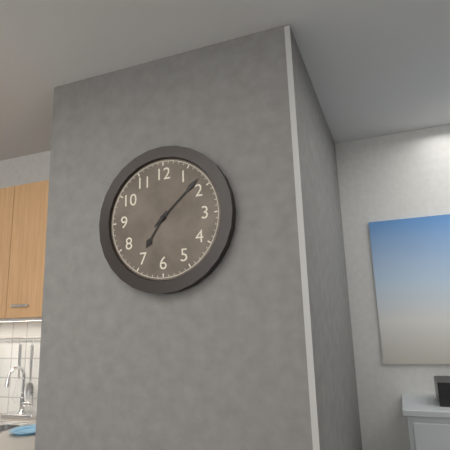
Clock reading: **7:08**
